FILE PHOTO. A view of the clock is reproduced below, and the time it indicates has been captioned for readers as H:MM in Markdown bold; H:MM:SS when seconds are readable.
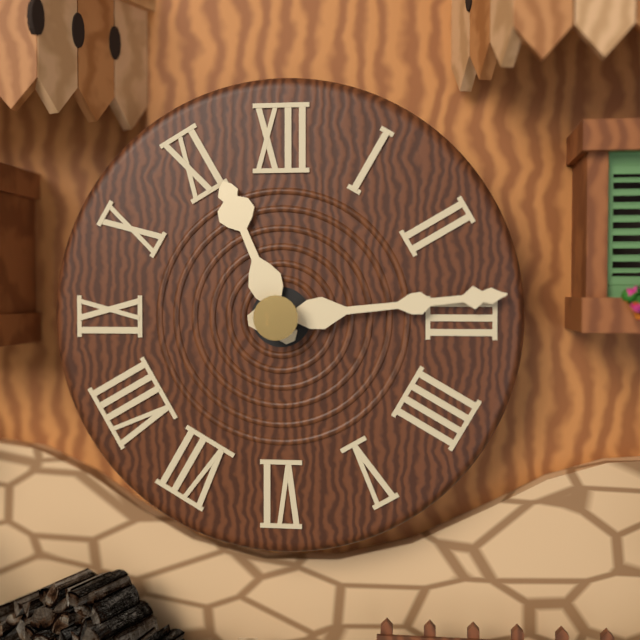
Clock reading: **11:14**
